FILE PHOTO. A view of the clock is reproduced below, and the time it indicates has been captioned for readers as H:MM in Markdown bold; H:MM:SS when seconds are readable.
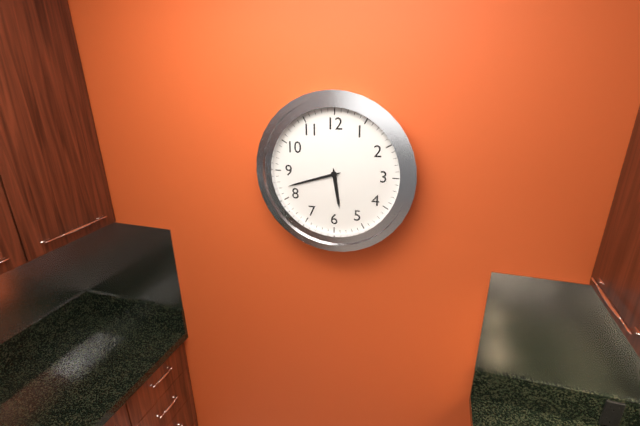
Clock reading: **5:42**
